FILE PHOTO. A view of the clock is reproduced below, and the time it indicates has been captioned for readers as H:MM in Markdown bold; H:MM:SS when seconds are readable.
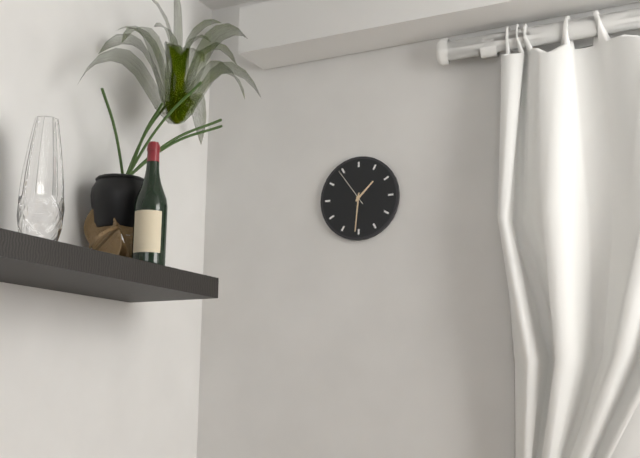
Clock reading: **1:31**
